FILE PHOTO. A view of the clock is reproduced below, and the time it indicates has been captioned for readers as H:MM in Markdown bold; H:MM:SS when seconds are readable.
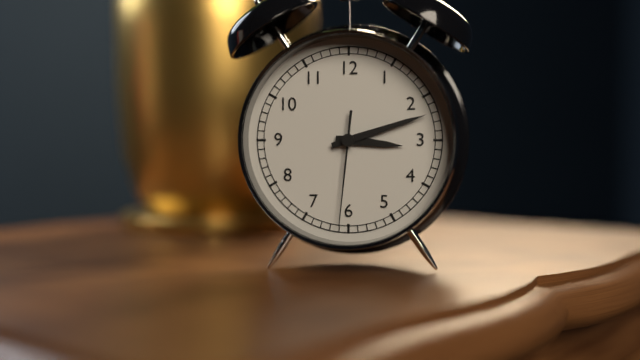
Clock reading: **3:12:31**
